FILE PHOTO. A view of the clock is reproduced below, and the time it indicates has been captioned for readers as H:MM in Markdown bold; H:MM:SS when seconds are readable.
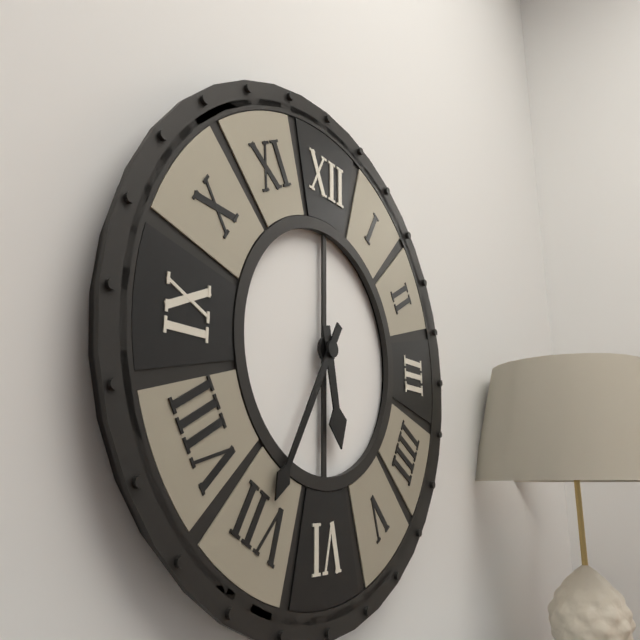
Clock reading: **5:35**
